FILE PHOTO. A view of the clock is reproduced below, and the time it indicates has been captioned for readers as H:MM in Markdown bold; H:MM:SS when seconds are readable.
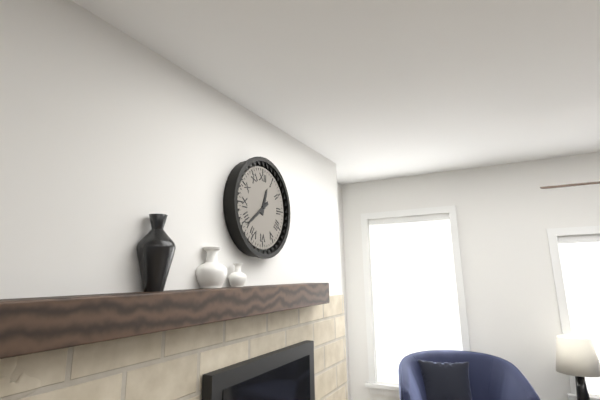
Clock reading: **12:39**
